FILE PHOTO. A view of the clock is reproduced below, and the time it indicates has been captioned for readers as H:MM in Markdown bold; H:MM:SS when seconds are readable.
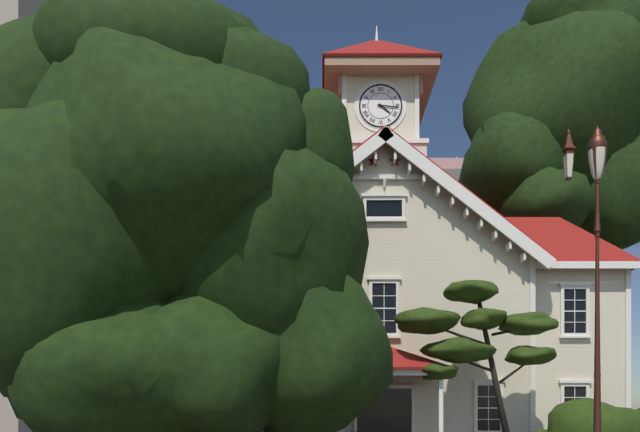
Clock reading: **4:16**
